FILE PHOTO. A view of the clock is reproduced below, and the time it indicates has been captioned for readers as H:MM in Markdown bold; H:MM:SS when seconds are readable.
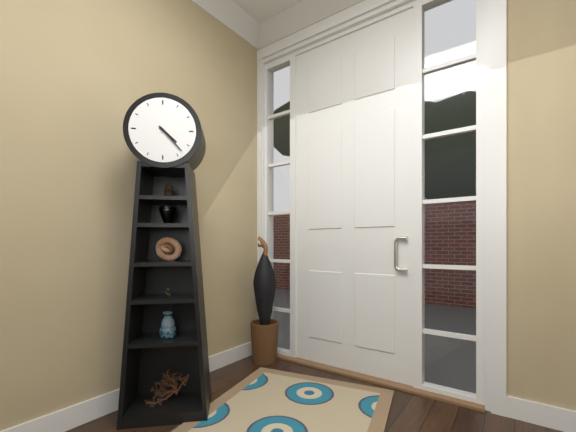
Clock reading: **4:23**
